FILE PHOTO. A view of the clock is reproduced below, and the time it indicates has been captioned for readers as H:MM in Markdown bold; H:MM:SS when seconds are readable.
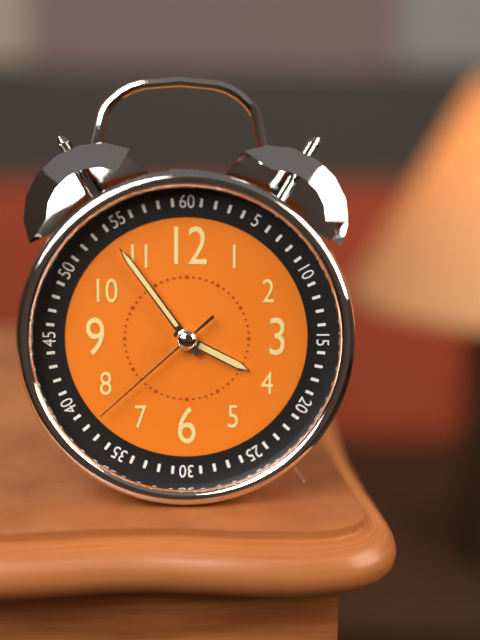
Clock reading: **3:54:38**
